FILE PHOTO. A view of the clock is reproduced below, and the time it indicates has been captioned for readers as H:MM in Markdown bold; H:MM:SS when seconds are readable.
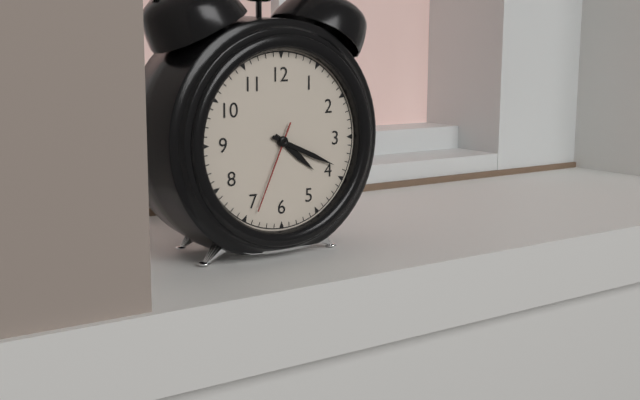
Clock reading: **4:19:34**
